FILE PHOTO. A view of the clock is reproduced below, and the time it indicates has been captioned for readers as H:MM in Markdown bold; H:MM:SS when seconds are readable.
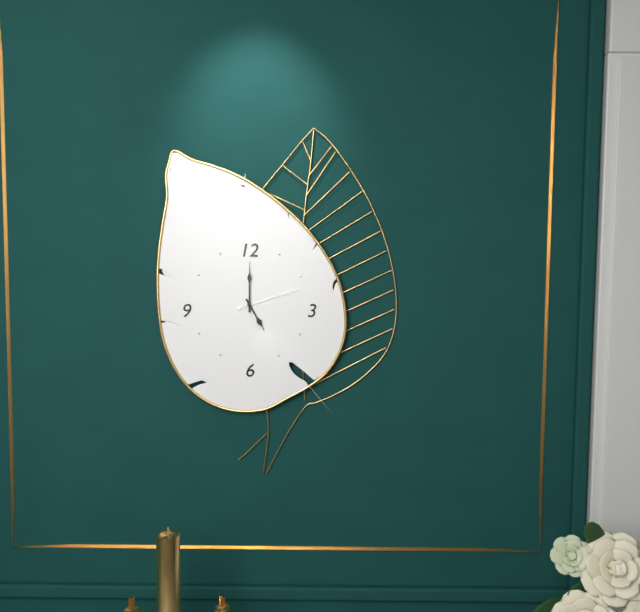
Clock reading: **5:00:12**
